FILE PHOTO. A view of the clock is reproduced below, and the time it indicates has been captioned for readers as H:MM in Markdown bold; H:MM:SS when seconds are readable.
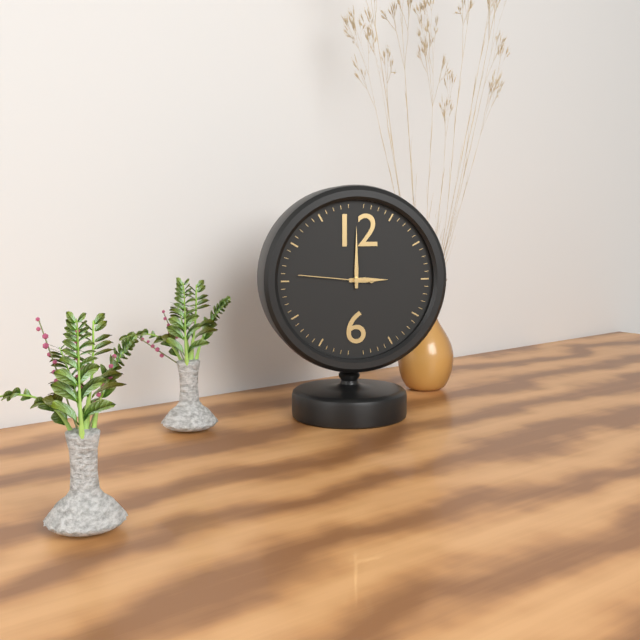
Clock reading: **3:00:46**
